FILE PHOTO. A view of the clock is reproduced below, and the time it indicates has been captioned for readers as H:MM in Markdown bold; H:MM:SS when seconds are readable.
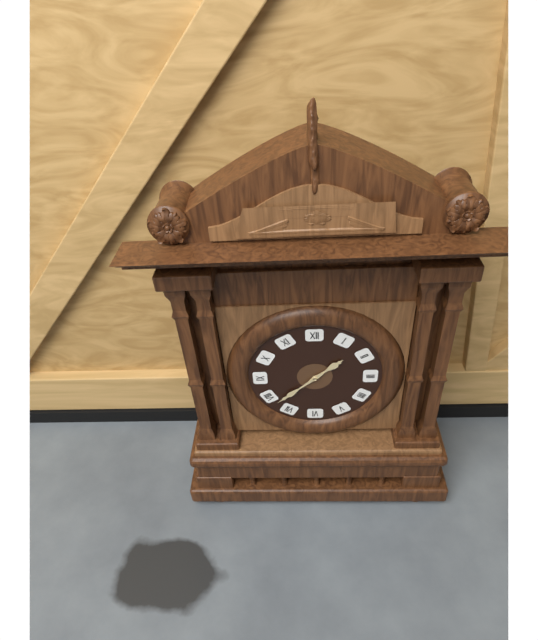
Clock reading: **1:38**
